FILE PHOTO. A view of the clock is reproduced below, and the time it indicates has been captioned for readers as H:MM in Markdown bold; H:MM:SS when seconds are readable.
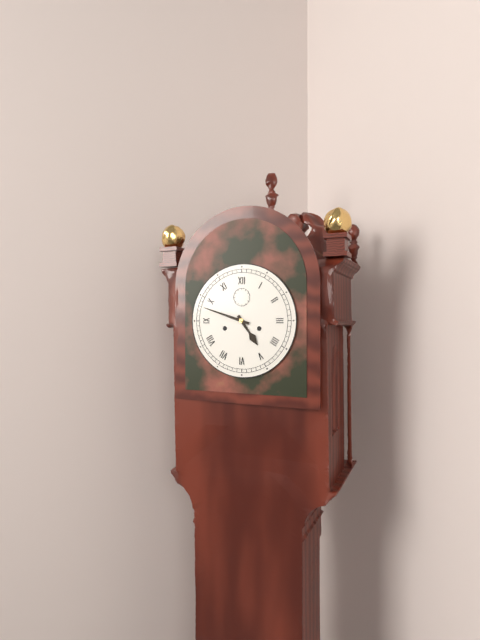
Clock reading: **4:48**
